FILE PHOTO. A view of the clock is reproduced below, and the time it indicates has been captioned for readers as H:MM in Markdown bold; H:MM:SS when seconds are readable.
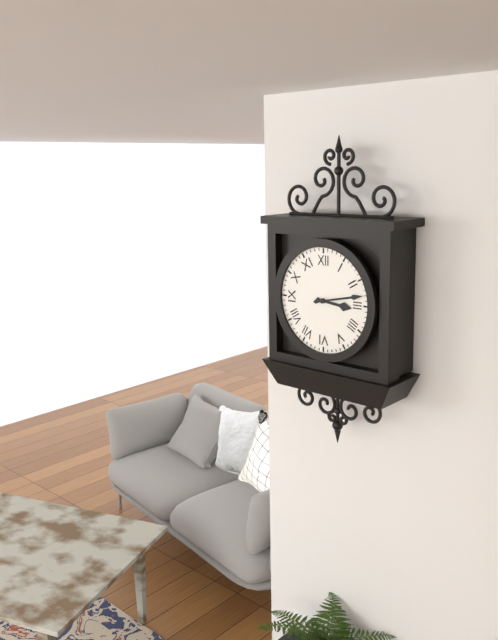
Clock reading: **3:13**
